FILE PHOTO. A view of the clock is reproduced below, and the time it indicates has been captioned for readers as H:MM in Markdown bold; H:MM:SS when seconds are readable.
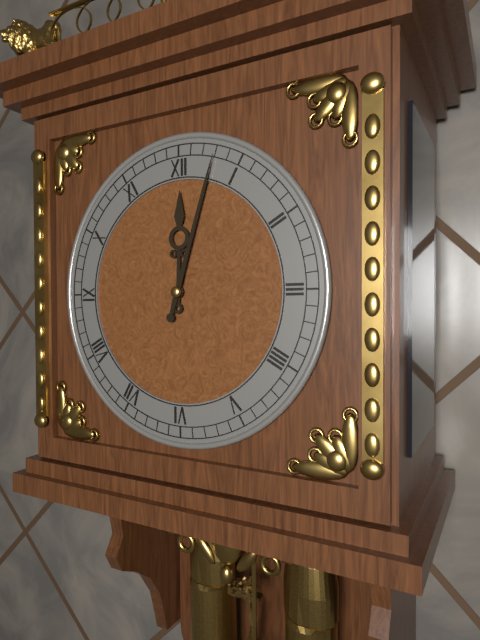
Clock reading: **12:03**
